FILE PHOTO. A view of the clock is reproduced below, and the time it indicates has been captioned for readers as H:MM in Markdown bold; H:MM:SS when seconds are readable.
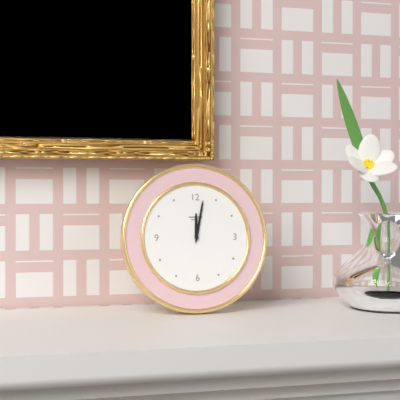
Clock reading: **12:02**
